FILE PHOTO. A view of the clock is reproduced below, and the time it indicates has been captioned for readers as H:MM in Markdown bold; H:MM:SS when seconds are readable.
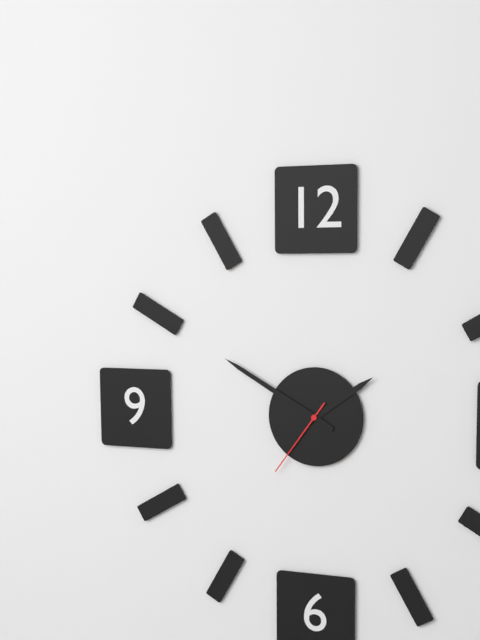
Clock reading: **1:50:36**
